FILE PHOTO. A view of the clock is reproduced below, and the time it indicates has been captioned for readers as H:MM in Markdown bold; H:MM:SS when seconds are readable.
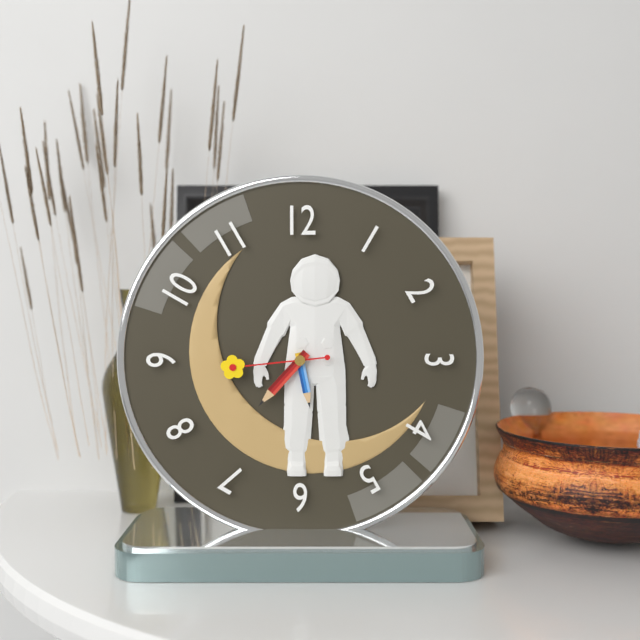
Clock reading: **5:37:44**
